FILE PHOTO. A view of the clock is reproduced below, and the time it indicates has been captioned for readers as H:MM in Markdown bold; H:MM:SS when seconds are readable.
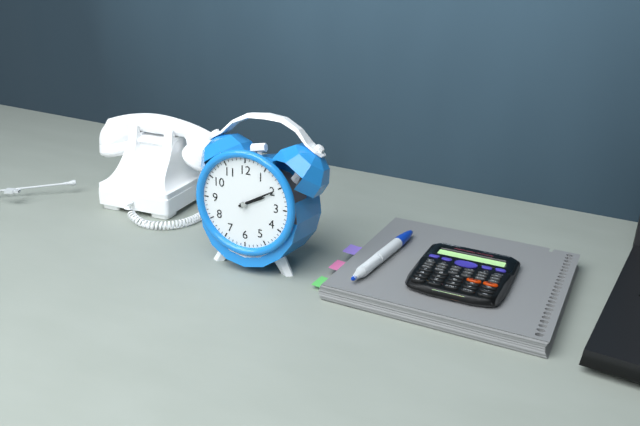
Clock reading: **2:10**
